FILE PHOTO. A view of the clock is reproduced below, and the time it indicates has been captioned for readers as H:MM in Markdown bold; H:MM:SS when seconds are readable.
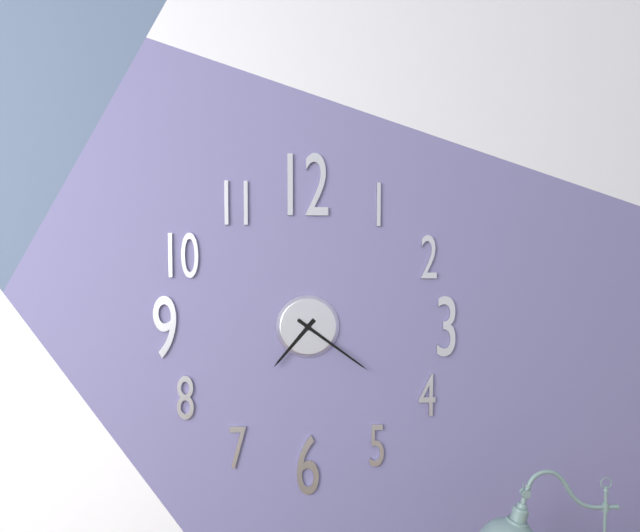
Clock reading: **7:21**
